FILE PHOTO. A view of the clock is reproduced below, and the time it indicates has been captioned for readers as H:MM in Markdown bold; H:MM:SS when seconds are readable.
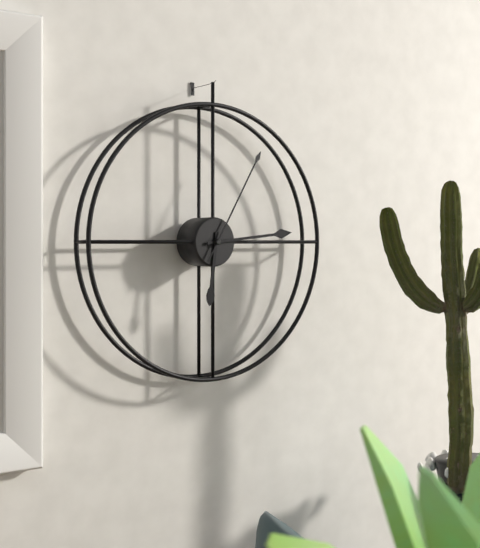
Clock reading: **6:14:05**
